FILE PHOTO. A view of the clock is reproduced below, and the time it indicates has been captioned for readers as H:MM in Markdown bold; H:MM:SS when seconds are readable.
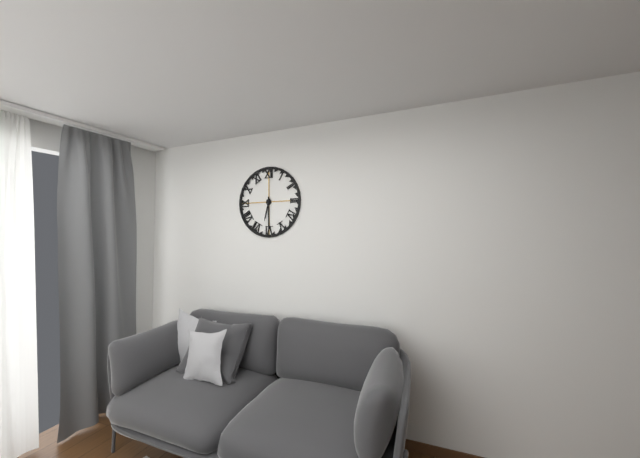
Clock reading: **6:30**
